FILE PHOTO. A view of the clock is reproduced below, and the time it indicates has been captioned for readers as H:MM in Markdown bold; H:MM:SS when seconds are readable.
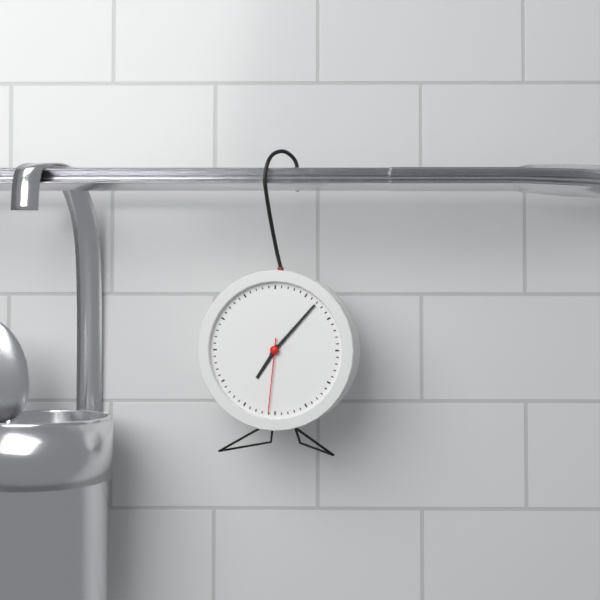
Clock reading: **7:07:31**
